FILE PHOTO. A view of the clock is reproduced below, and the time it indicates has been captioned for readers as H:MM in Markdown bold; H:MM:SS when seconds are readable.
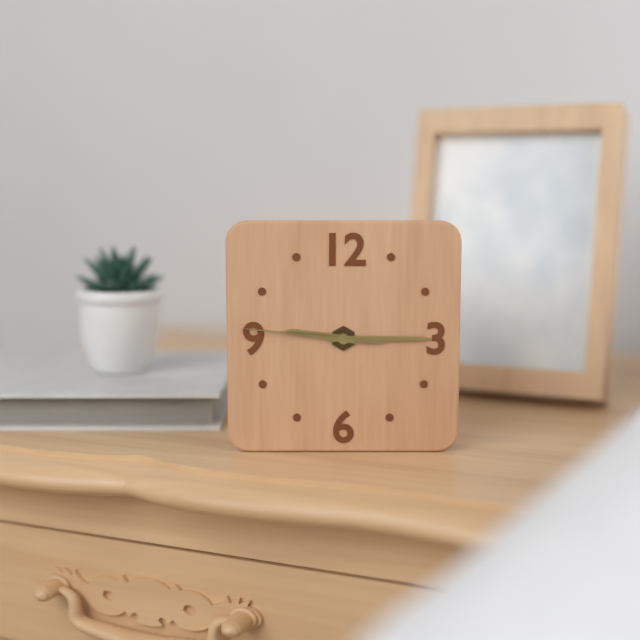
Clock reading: **9:15:46**
